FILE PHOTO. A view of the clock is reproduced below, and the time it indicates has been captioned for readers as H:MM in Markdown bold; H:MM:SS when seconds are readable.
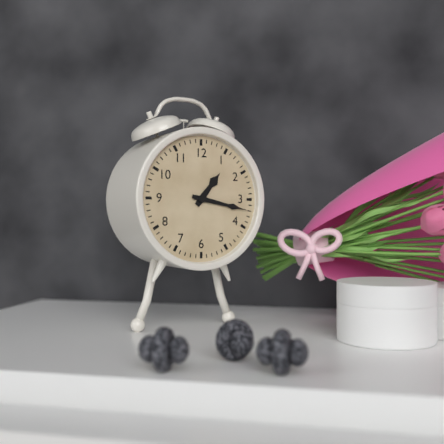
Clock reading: **1:17**
